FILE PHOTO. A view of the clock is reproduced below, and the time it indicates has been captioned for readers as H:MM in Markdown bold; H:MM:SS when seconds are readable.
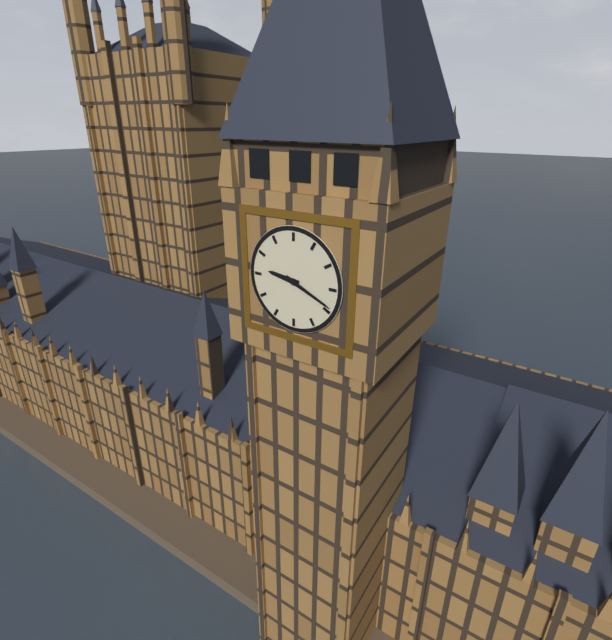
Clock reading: **9:19**
